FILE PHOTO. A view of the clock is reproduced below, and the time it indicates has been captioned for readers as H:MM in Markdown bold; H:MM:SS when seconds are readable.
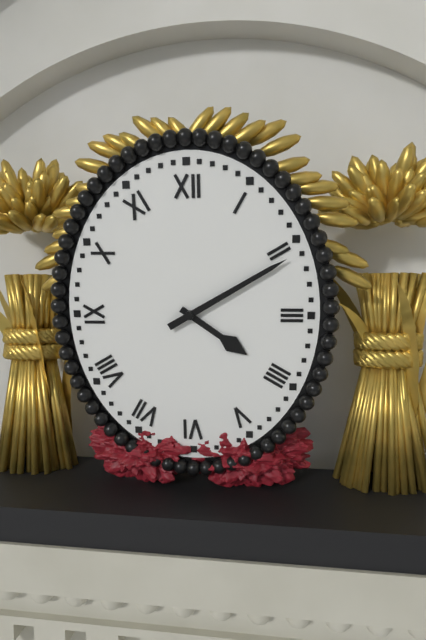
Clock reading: **4:10**
